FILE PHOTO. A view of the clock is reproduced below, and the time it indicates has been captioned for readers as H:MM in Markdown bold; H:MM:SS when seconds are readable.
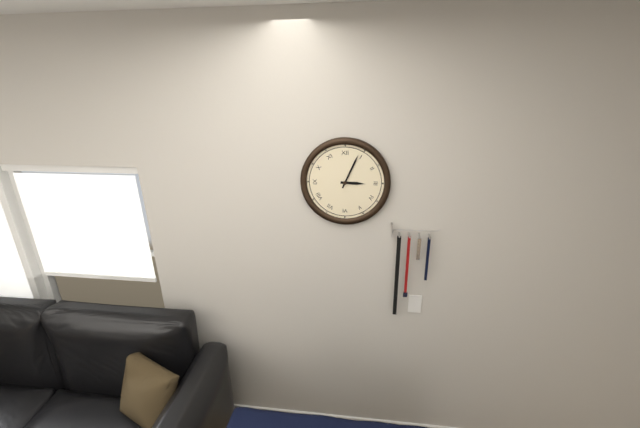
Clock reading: **3:04**
